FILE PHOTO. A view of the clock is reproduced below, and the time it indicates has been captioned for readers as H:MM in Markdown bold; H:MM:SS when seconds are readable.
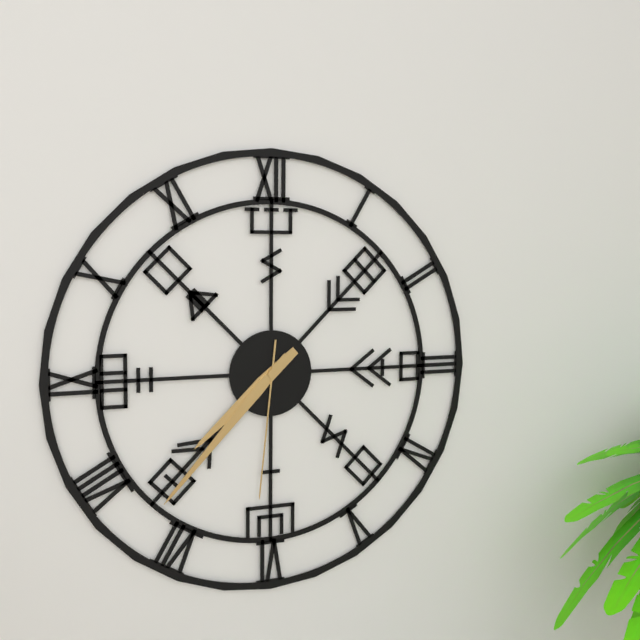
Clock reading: **7:37:31**
